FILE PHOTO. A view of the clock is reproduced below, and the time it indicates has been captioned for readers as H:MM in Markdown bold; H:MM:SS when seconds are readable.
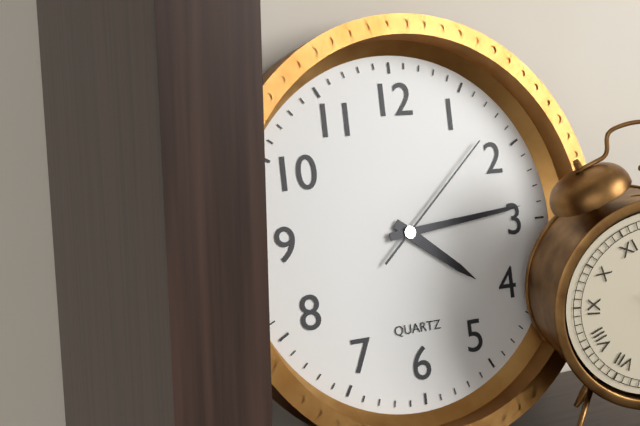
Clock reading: **4:14:08**
